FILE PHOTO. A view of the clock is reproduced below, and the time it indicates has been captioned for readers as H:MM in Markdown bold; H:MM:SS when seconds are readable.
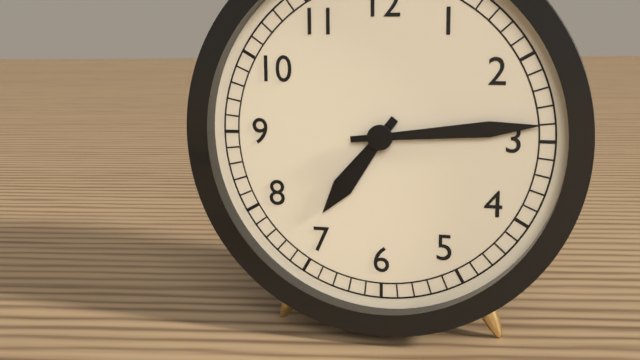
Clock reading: **7:14**
